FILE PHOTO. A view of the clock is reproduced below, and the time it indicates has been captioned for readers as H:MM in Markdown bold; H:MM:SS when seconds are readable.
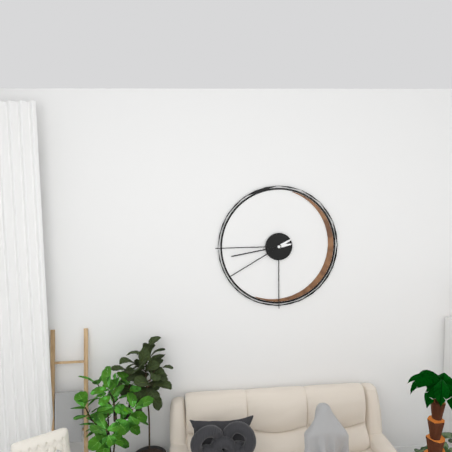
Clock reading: **8:40**
